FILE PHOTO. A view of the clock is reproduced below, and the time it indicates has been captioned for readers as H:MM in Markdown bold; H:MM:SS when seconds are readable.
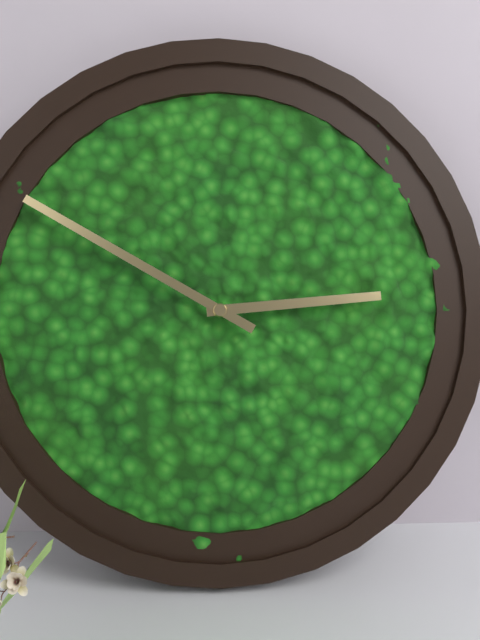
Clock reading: **2:50**
